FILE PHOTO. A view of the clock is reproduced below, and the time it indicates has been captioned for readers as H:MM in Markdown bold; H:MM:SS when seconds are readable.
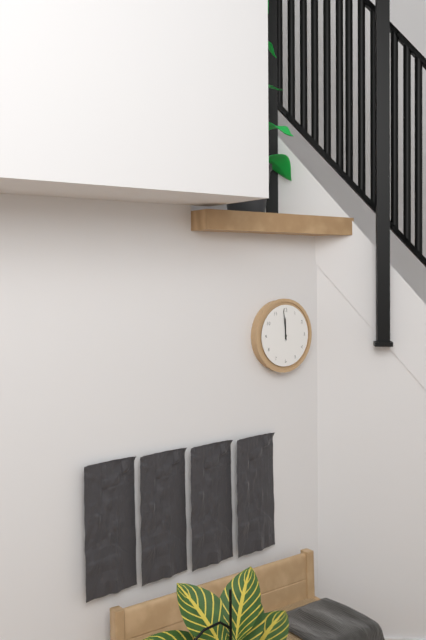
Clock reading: **11:59**
